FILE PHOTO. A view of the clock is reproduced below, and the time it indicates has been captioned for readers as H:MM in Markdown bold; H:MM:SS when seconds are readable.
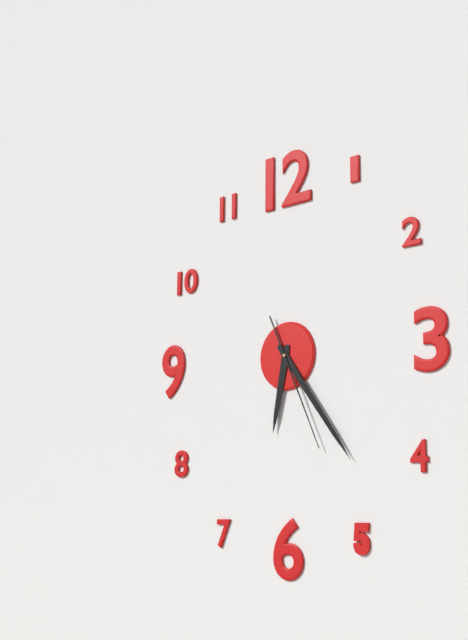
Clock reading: **6:24:26**
